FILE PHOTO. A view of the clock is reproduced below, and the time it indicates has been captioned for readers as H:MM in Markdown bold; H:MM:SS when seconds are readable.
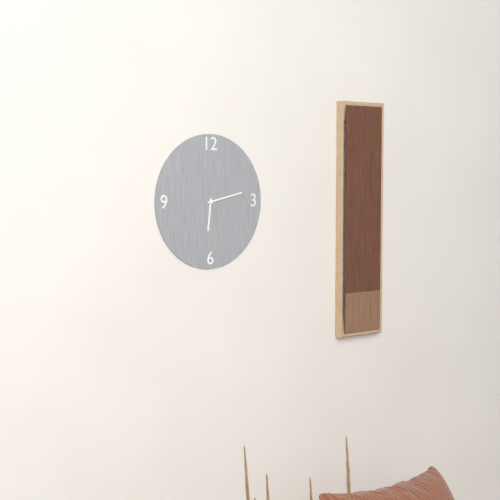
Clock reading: **6:13**
